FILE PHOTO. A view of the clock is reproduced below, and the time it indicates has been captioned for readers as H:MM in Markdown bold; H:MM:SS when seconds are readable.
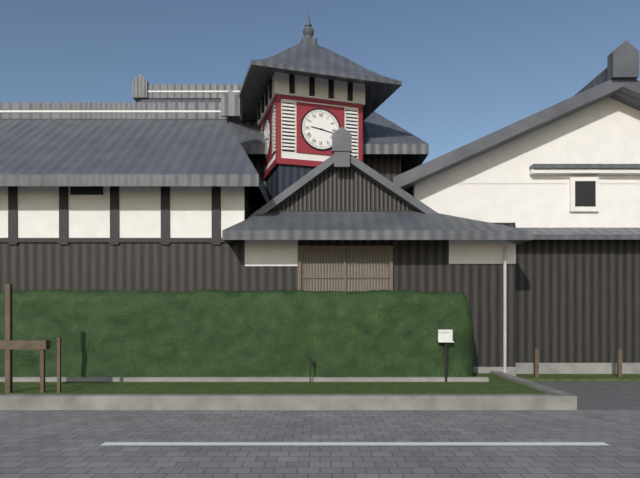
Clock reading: **9:17**
